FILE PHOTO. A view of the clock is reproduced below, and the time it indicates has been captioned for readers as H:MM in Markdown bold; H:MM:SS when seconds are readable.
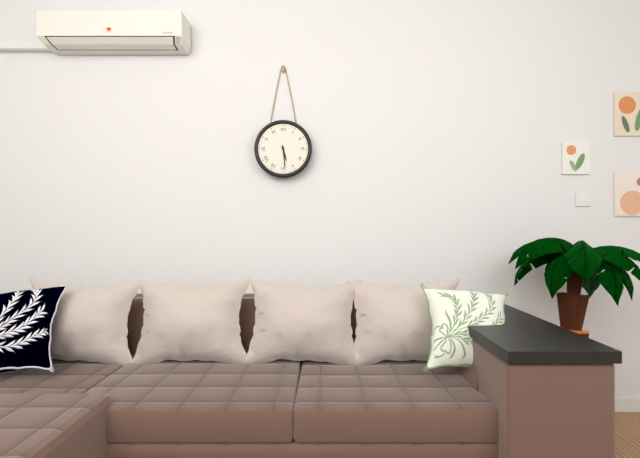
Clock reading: **5:29**
